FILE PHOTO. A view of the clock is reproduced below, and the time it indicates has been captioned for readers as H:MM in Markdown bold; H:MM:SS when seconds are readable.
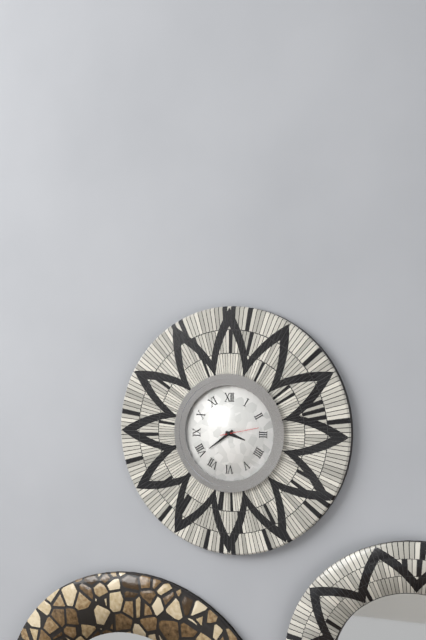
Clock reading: **3:39**
